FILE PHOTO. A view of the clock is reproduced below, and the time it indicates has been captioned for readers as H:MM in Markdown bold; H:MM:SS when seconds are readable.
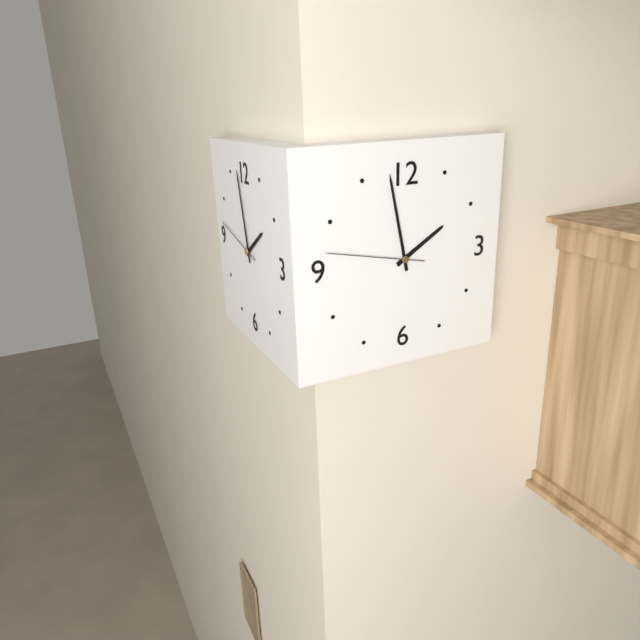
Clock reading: **1:58:47**
